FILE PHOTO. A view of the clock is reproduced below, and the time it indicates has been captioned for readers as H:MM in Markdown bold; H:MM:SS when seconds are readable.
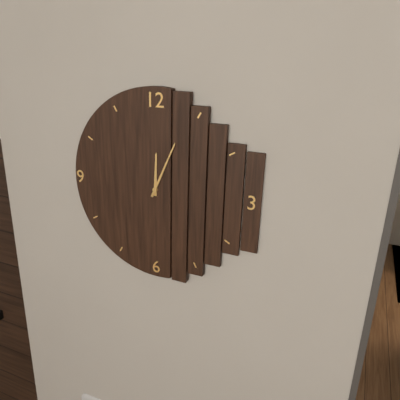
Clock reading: **12:04**
